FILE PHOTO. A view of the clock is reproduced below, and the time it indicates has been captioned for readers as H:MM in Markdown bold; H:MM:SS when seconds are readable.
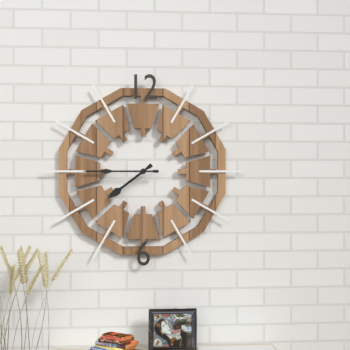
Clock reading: **7:45**
